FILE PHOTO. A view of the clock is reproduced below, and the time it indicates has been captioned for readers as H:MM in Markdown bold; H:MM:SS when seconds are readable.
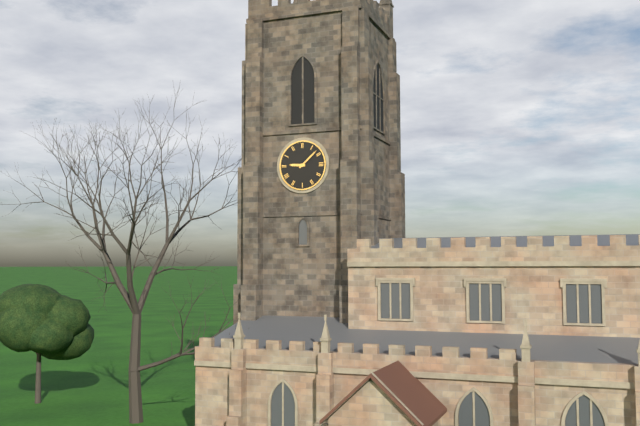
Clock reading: **9:08**
